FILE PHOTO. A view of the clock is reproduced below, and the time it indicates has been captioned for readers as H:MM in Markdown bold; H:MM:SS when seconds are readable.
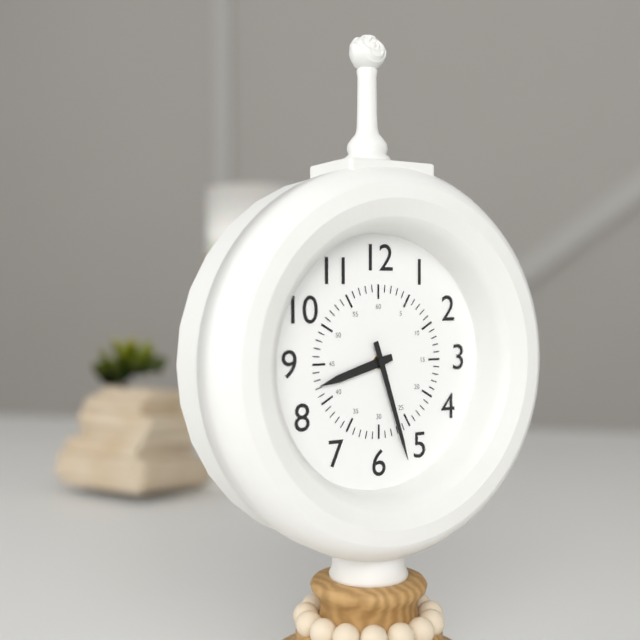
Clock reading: **8:27**
